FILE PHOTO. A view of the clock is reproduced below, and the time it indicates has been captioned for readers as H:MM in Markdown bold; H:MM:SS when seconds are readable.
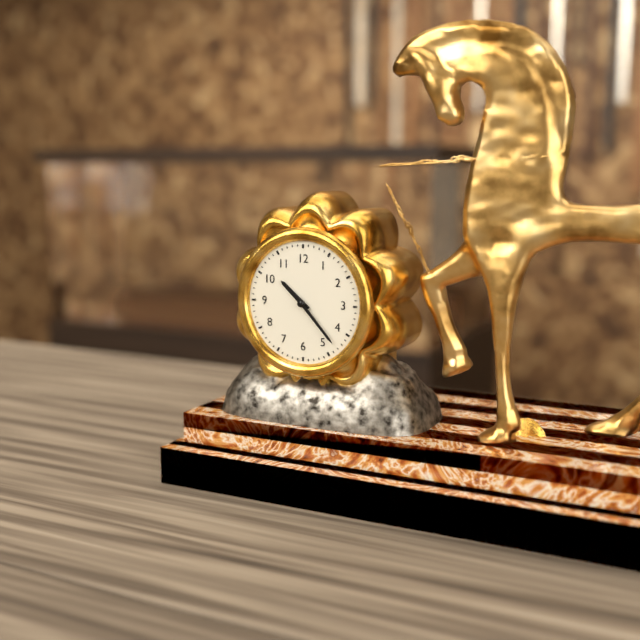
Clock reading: **10:23**
